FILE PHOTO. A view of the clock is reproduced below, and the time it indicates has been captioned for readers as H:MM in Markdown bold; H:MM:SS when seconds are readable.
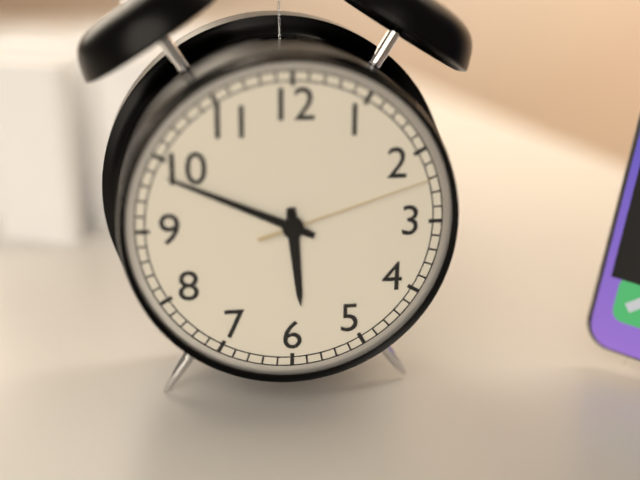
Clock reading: **5:49:12**
